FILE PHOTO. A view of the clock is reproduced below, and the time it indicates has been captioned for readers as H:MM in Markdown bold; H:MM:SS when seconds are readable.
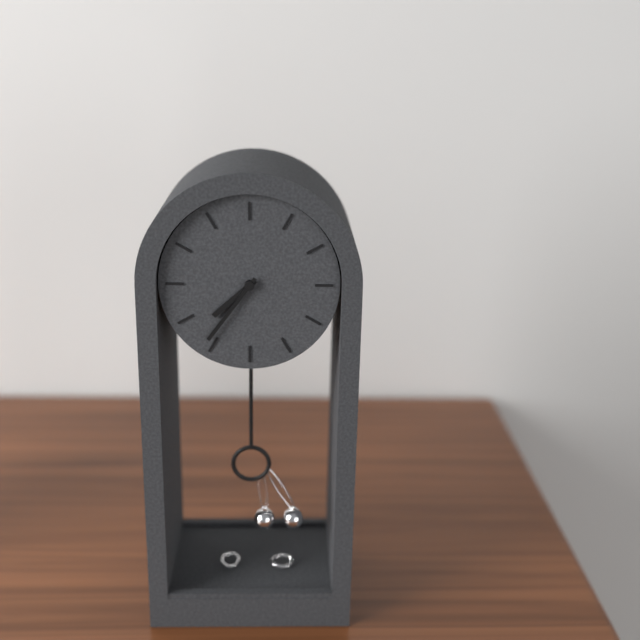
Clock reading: **7:36**
